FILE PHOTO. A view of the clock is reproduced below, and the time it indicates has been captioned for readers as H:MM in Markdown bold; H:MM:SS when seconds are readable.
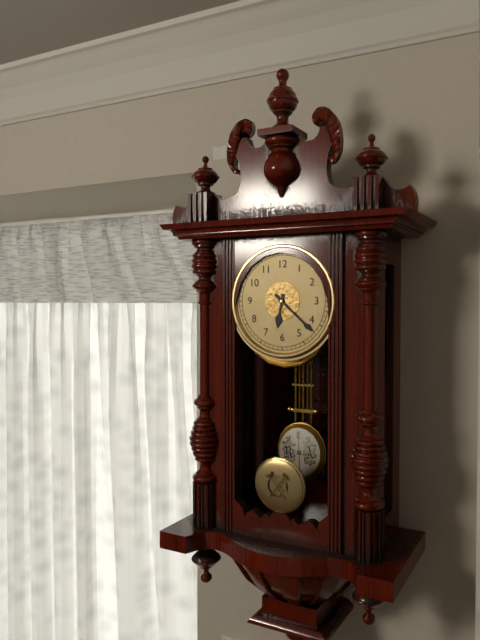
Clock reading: **6:22**
